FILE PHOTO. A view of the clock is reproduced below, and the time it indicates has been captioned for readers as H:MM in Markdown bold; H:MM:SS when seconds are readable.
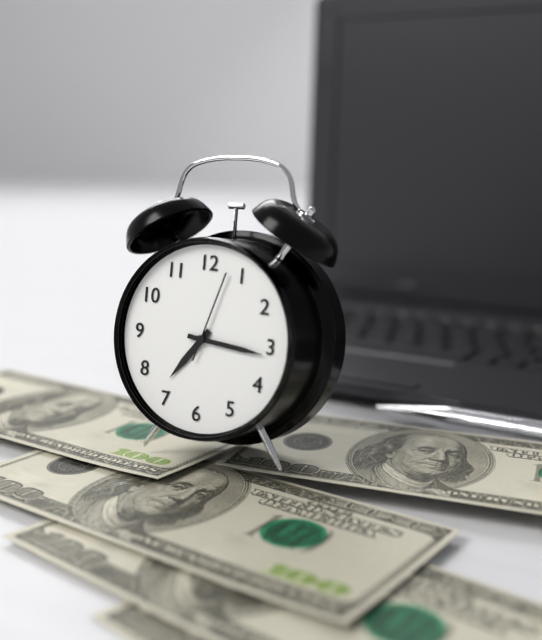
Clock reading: **7:16:03**
